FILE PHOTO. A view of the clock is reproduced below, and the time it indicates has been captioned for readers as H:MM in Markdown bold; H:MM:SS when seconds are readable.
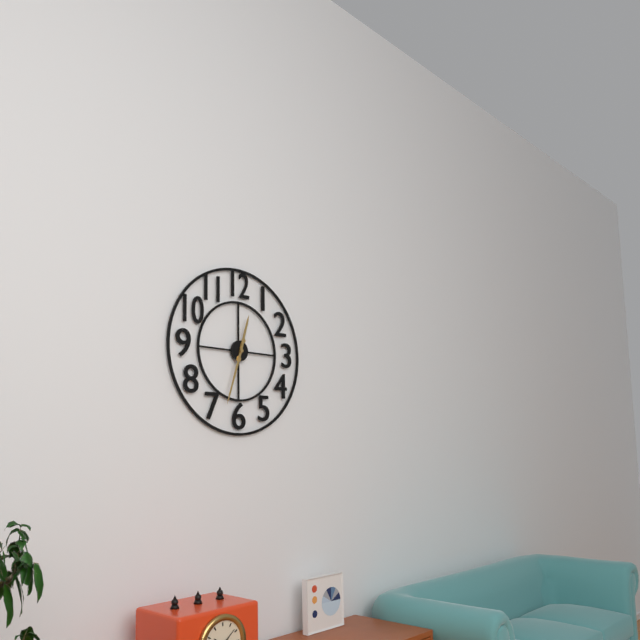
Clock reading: **12:33**
